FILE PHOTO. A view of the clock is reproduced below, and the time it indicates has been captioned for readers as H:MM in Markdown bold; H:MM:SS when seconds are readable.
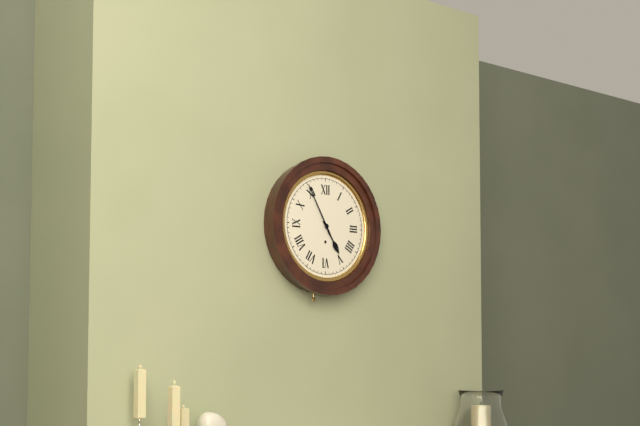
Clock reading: **4:55**
